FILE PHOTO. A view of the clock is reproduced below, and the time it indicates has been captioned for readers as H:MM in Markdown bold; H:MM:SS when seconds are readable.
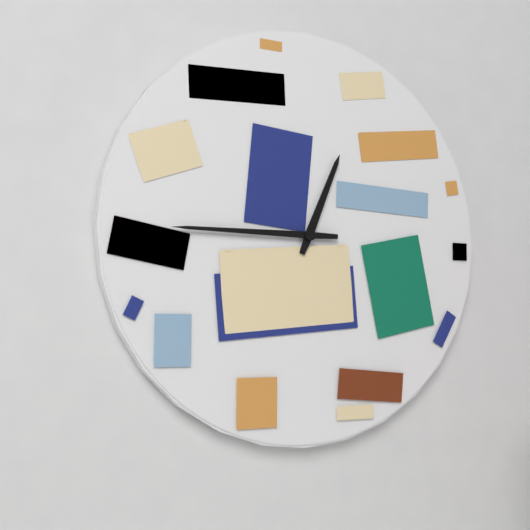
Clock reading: **12:45**
